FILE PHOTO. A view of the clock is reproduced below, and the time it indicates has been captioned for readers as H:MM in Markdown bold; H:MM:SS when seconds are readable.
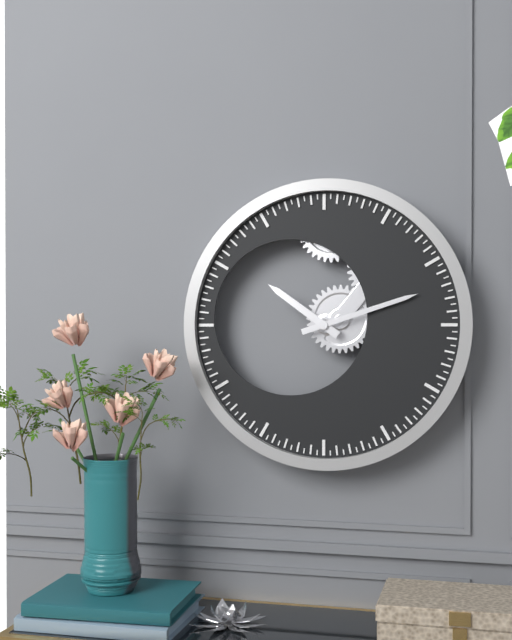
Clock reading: **10:12**
